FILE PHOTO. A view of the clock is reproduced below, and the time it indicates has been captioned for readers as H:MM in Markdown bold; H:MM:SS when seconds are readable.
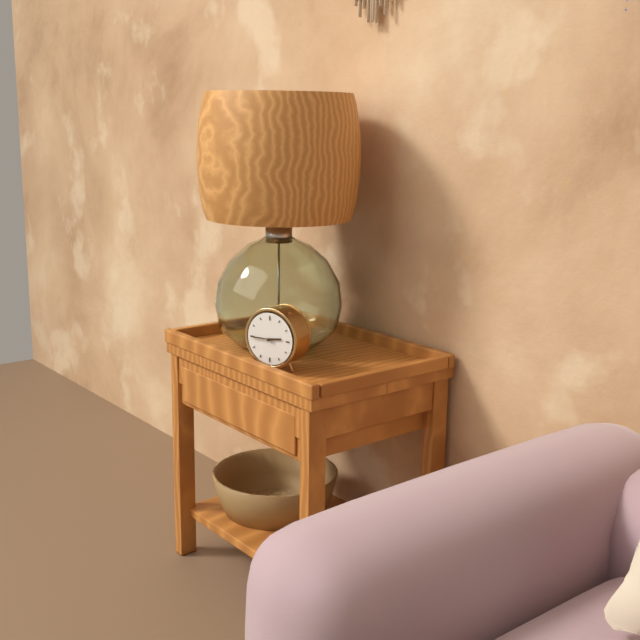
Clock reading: **2:45**
